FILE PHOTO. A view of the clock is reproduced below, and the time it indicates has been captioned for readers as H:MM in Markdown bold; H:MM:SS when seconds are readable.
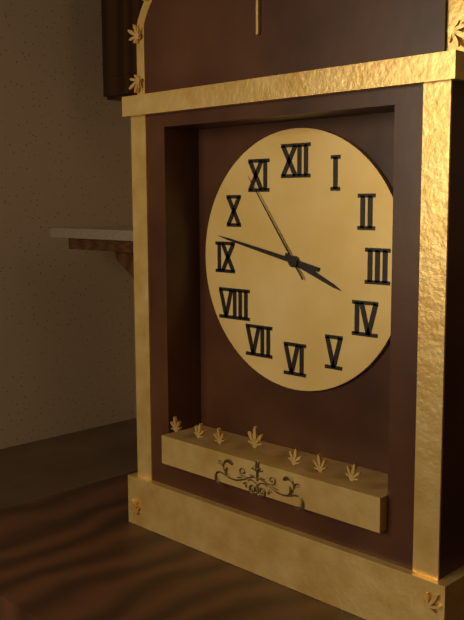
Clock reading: **3:47:54**
